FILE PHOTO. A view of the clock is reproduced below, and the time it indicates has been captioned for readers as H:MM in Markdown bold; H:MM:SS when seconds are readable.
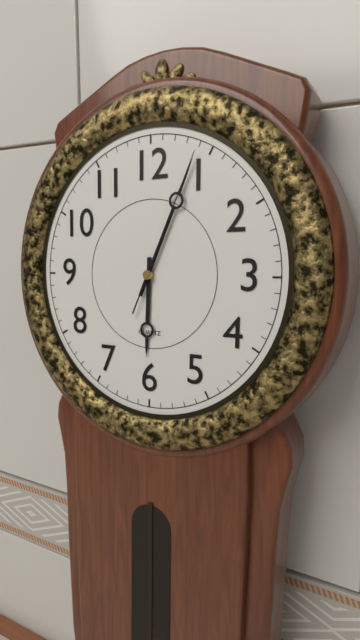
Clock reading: **6:04:04**
